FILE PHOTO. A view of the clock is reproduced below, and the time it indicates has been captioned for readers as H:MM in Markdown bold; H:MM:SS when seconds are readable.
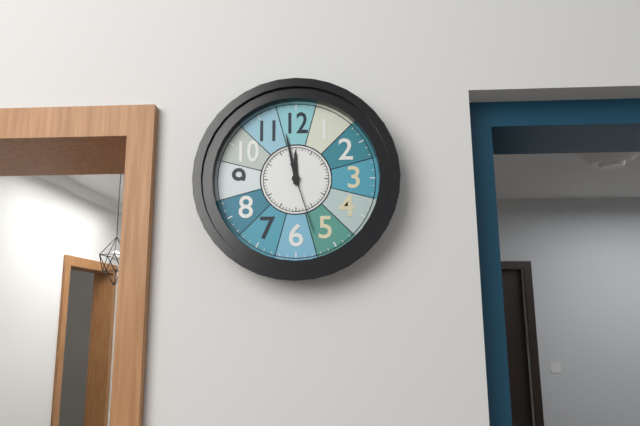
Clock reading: **11:58:27**
